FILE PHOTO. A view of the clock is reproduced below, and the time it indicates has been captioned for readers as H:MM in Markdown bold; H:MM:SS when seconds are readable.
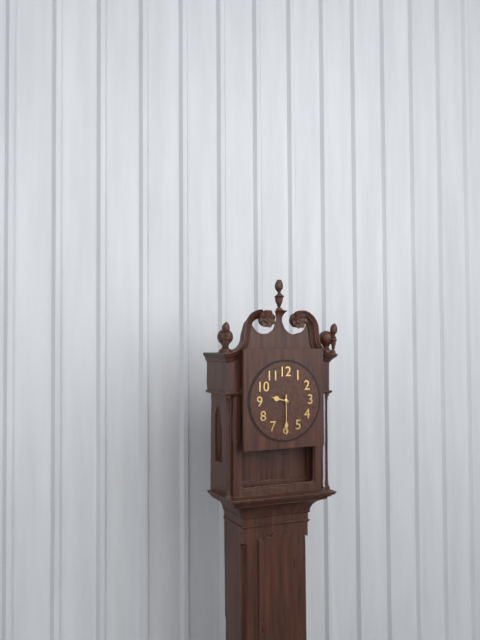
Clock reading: **9:30**
